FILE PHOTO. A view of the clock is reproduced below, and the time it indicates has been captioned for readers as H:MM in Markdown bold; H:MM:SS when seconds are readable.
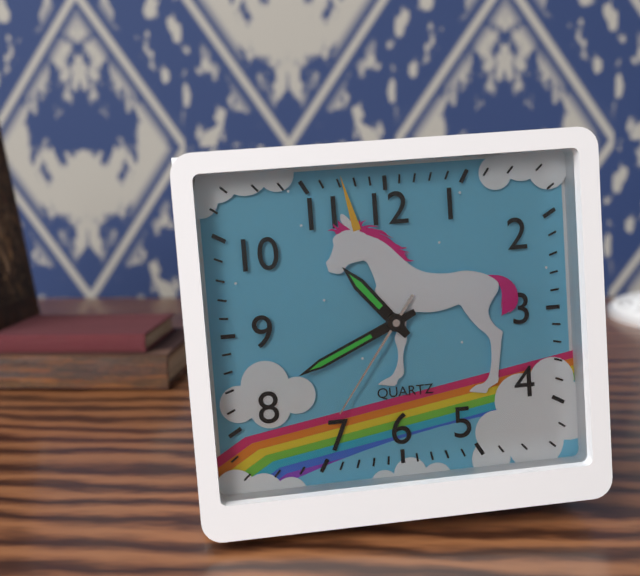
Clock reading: **10:41:36**
